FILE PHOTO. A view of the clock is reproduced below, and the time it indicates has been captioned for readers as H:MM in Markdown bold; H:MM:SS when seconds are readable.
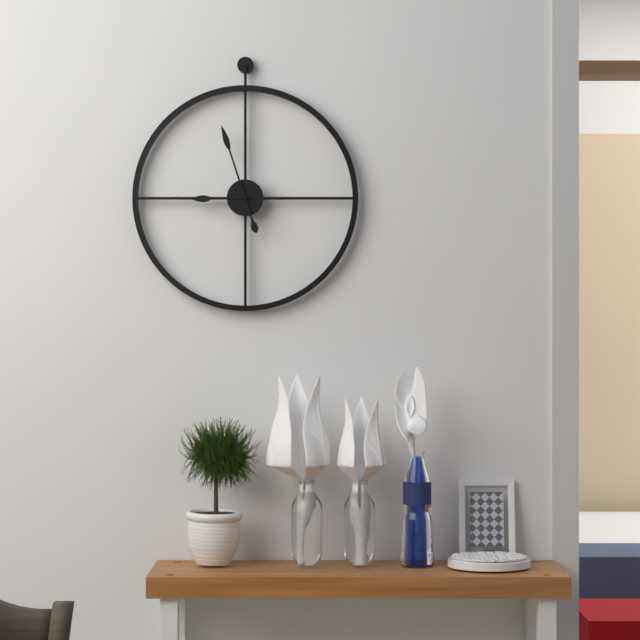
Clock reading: **8:57**
